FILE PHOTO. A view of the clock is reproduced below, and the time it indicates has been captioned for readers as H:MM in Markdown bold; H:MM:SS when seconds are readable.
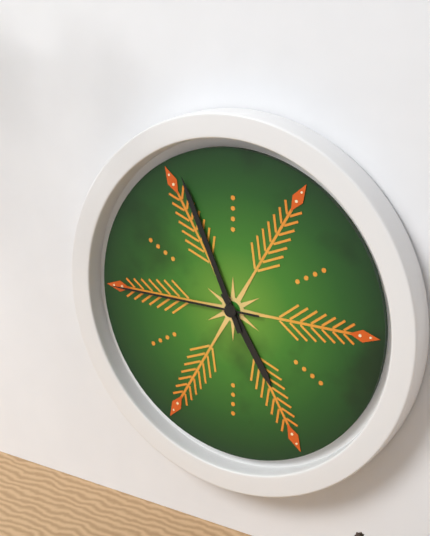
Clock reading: **4:56:45**
